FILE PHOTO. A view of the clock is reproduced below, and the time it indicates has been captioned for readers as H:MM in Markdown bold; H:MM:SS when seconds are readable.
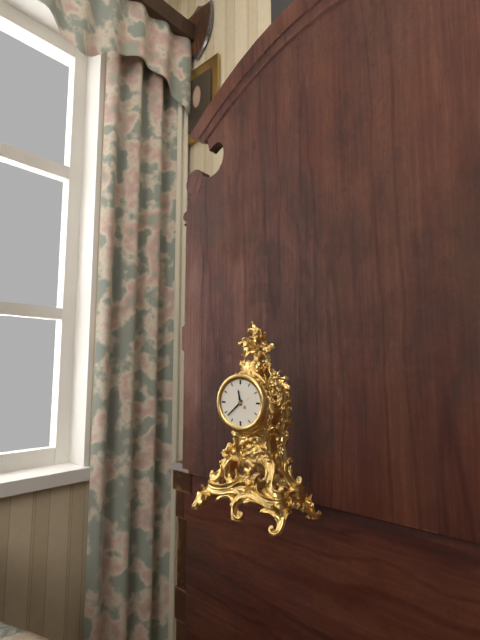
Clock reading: **11:38**
